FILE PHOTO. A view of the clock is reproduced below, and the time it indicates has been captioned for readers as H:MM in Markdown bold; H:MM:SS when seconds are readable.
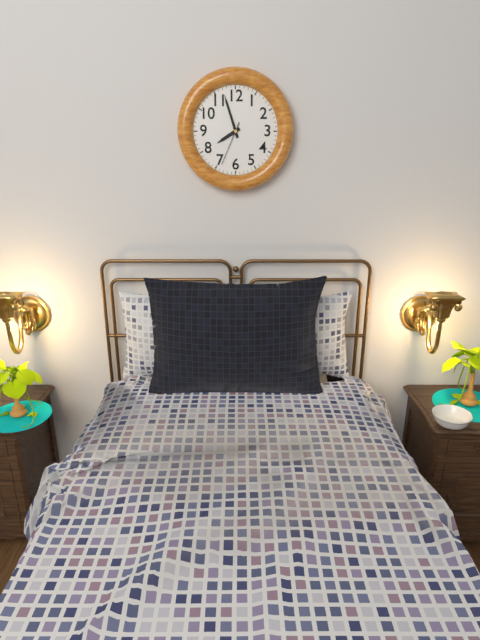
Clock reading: **7:57**
